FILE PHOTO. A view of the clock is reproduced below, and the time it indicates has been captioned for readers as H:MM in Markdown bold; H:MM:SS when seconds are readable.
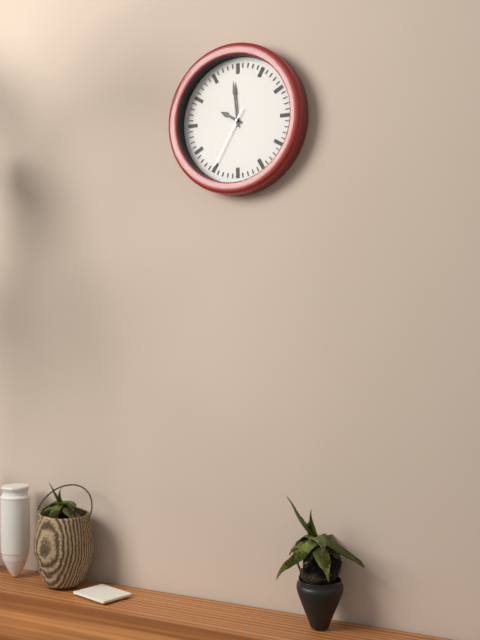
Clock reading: **9:59:35**
